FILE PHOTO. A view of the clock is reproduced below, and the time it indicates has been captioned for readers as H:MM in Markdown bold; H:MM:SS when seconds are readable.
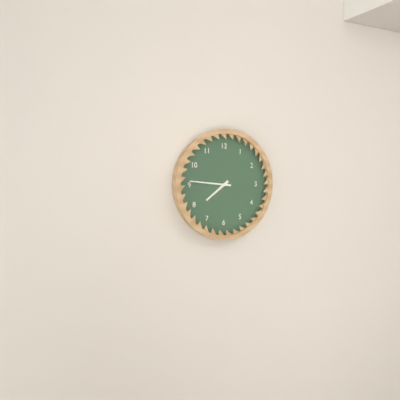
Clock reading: **7:46**
